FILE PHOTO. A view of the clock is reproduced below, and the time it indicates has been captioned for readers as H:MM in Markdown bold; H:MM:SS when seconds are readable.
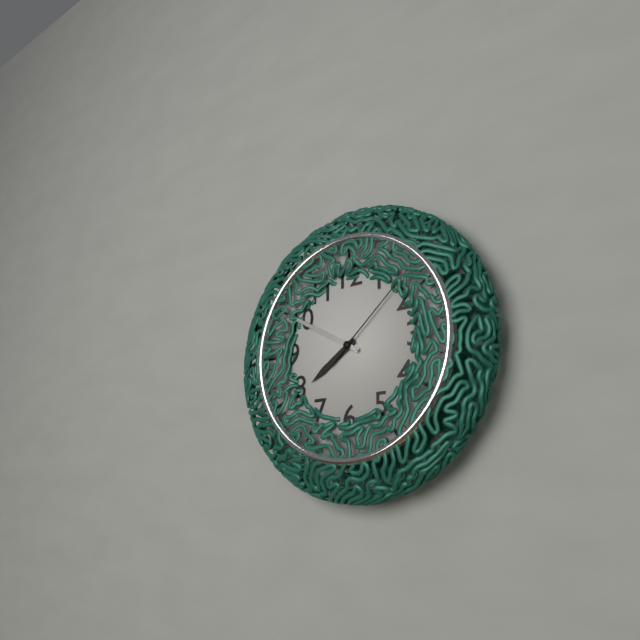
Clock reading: **7:50:08**
